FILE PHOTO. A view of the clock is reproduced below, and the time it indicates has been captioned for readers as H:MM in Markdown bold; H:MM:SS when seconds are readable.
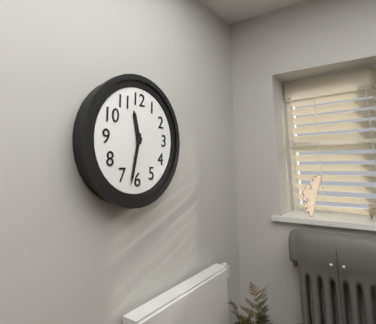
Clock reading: **11:32**
